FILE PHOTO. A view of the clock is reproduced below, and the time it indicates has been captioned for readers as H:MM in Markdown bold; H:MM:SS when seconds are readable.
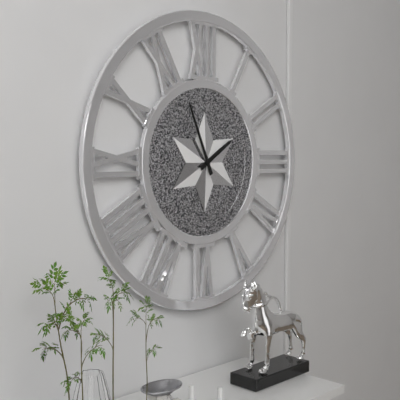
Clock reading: **1:56**
